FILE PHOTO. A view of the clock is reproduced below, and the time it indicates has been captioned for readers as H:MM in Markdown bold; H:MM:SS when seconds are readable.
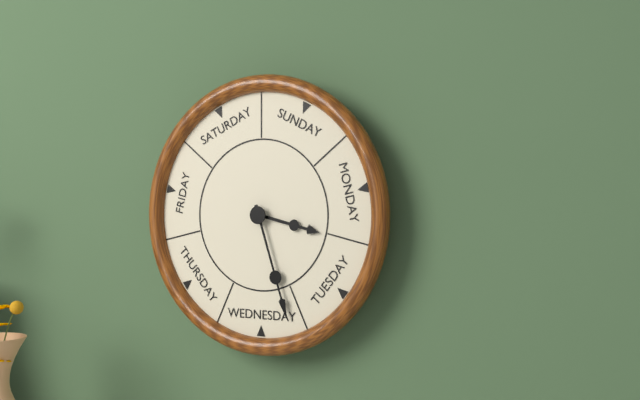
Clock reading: **3:27**
